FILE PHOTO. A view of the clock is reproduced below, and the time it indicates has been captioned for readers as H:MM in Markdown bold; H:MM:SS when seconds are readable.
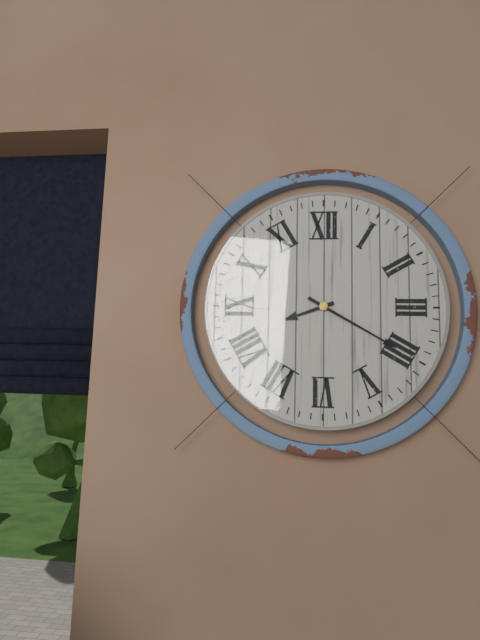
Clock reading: **8:20**
